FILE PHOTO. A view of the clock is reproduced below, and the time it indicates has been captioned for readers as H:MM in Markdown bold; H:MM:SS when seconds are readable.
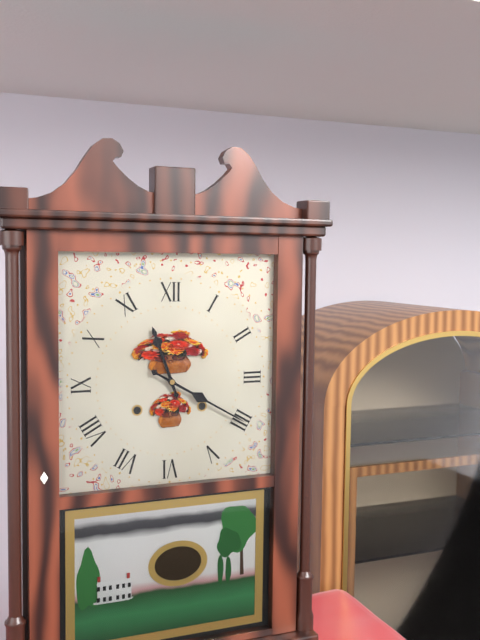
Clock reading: **11:20**
